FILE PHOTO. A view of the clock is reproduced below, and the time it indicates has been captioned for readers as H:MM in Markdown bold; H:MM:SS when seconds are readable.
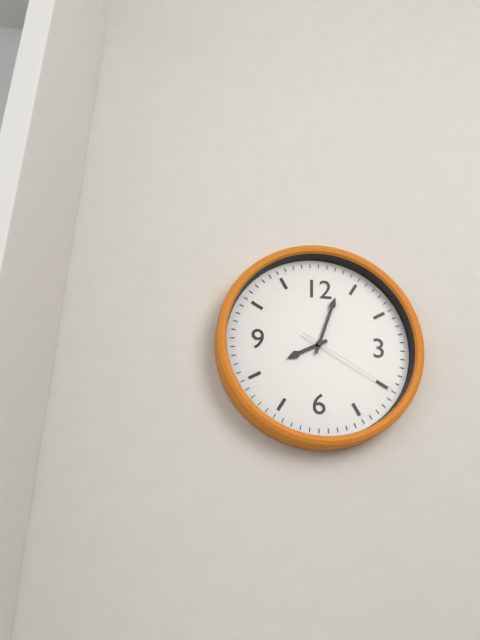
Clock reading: **8:03:20**
